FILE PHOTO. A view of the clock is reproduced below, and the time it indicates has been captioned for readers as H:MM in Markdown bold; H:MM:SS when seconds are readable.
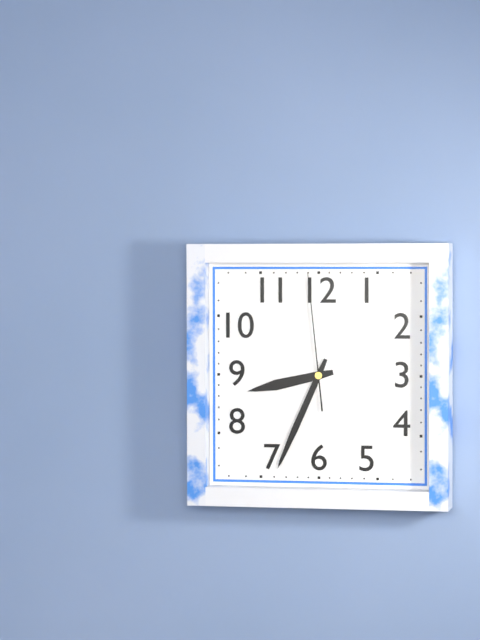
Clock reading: **8:34:59**
